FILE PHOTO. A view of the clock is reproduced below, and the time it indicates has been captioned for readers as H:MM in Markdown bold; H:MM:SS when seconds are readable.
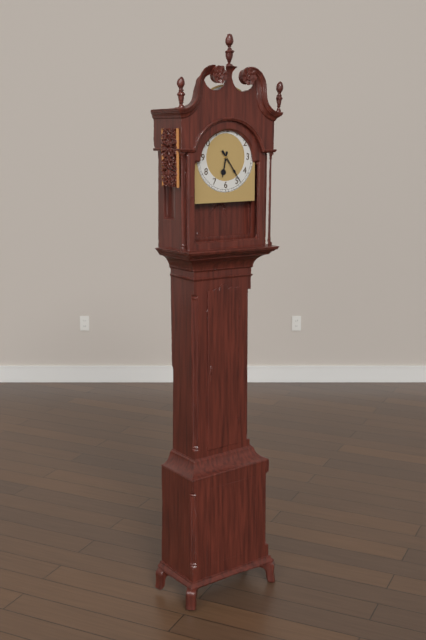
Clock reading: **6:24**
